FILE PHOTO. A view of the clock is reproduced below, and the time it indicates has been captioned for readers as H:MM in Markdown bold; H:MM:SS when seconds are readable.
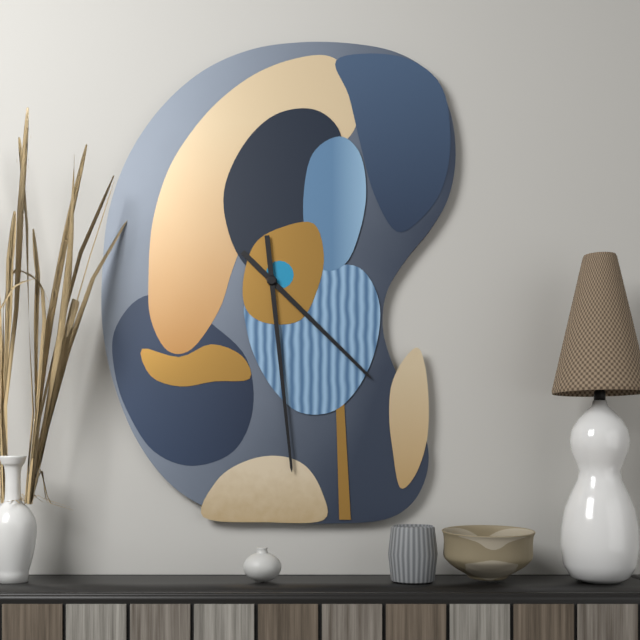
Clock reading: **4:29**
